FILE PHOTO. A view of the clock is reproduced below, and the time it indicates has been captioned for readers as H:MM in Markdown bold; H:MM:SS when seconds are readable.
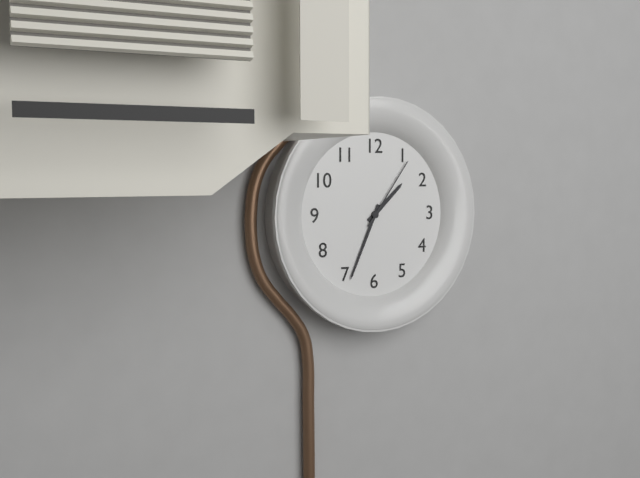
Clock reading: **1:34:06**
